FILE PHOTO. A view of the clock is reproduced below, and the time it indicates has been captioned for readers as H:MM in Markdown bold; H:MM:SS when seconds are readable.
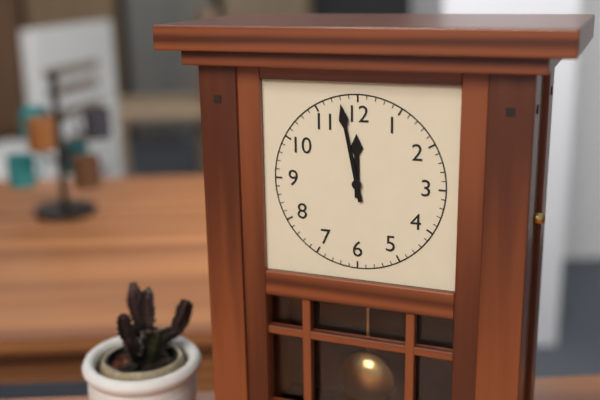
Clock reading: **11:58**
